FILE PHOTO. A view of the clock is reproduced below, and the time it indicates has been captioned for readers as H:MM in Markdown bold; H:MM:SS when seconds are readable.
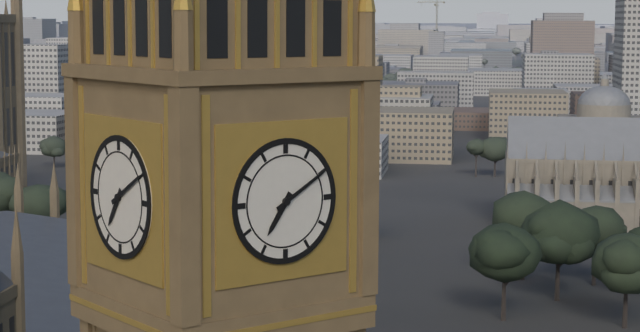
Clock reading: **7:10**
